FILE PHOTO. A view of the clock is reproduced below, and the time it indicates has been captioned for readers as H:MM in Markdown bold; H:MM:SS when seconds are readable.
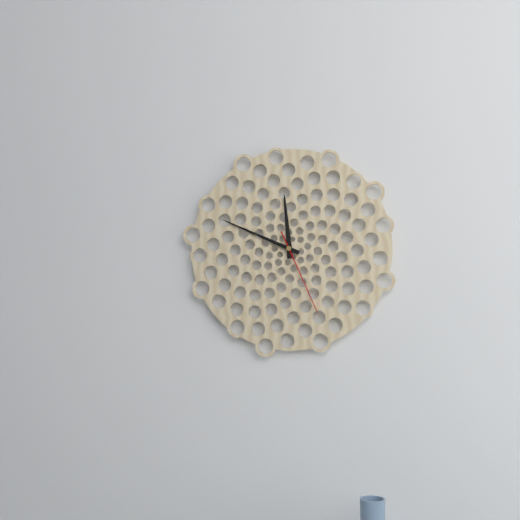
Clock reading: **11:49:26**
